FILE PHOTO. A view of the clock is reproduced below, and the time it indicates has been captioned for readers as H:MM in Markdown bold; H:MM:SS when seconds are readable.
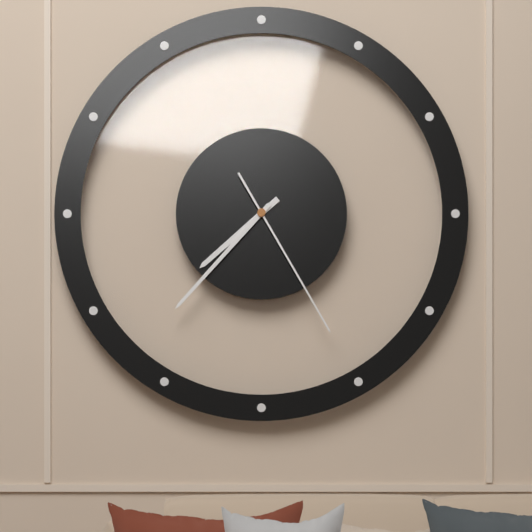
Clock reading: **7:37:25**
